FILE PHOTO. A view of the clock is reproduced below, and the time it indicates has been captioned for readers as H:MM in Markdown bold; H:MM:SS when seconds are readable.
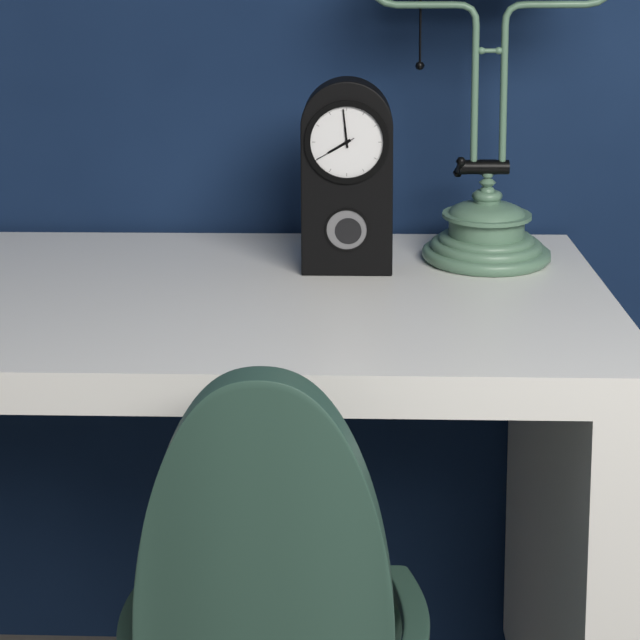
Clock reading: **7:59**
